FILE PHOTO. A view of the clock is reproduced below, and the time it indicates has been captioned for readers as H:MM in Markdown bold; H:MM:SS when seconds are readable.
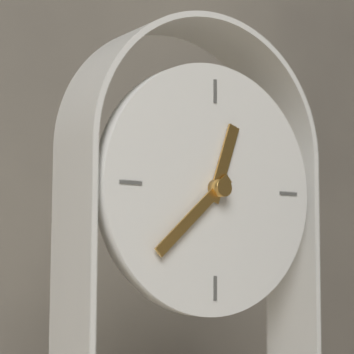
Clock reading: **12:38**
